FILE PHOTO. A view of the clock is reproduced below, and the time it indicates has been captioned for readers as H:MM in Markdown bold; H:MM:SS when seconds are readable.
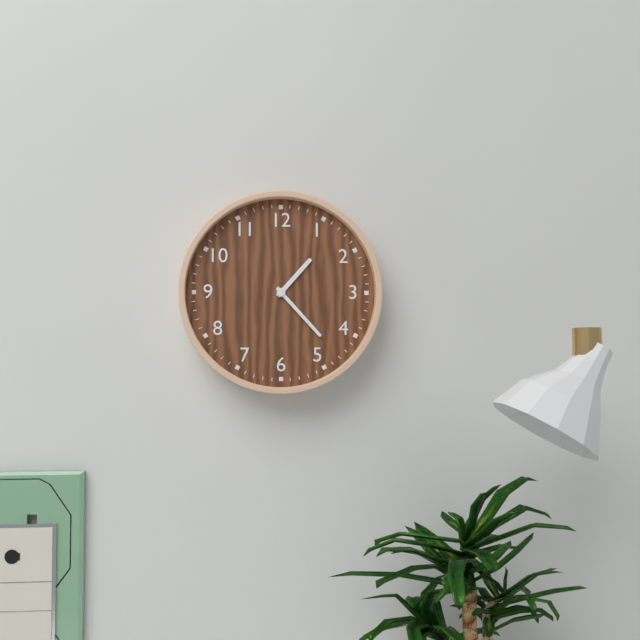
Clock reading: **1:23**
